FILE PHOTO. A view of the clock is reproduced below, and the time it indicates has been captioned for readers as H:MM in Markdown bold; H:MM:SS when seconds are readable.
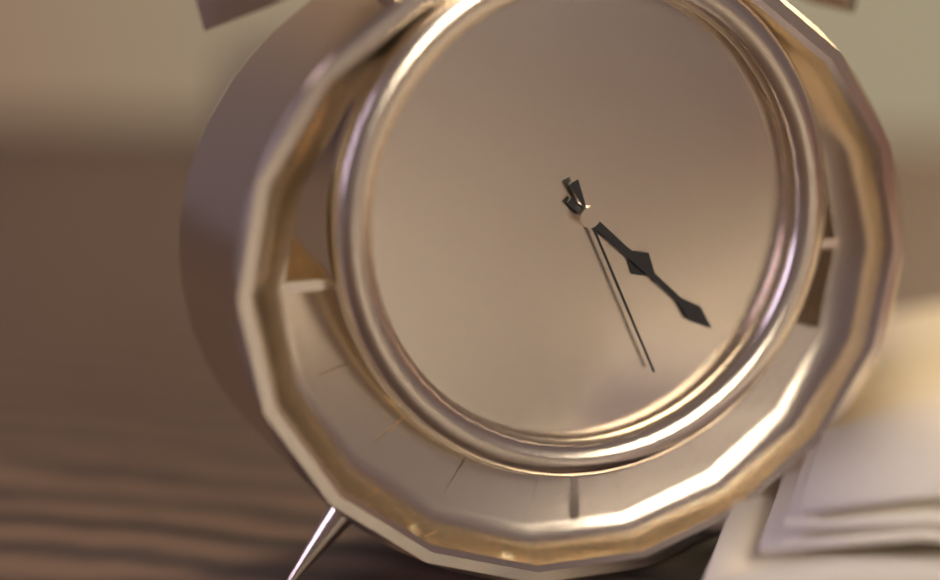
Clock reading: **4:22:26**
